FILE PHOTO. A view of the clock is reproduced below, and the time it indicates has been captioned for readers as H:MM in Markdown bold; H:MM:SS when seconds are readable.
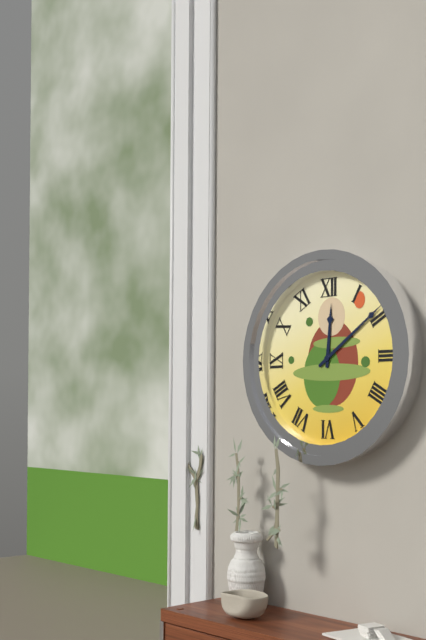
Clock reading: **12:09**
